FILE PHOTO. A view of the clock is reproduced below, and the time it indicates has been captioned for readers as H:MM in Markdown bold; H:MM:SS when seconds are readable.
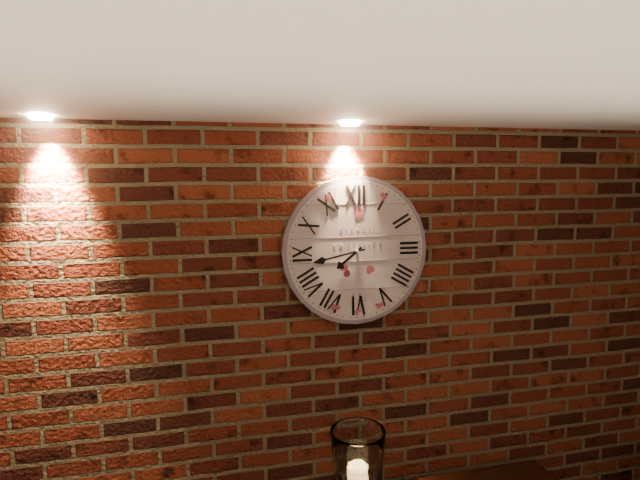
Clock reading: **7:43**
